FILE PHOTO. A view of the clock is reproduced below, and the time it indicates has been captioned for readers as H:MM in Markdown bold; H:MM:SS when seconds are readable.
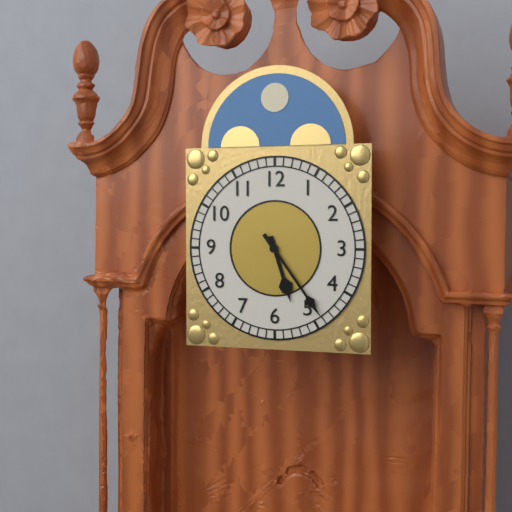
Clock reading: **5:24**
